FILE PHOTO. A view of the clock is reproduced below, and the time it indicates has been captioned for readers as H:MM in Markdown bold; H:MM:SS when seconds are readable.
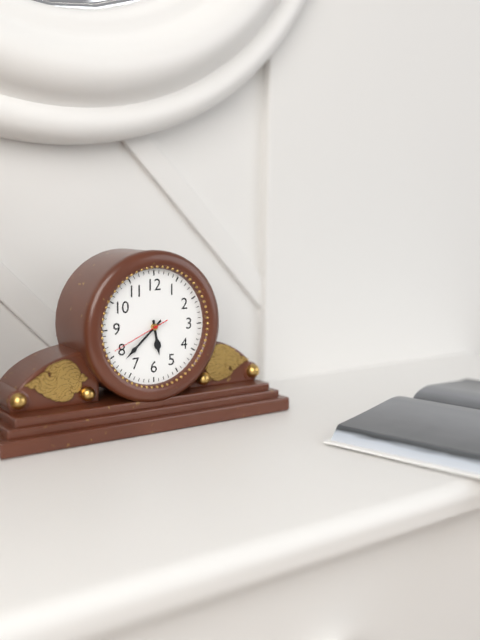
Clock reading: **5:38:41**
